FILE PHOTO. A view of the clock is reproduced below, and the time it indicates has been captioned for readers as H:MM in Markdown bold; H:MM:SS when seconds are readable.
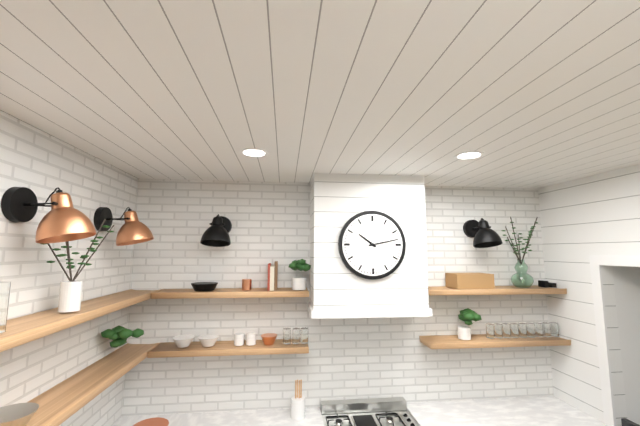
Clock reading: **10:13**
